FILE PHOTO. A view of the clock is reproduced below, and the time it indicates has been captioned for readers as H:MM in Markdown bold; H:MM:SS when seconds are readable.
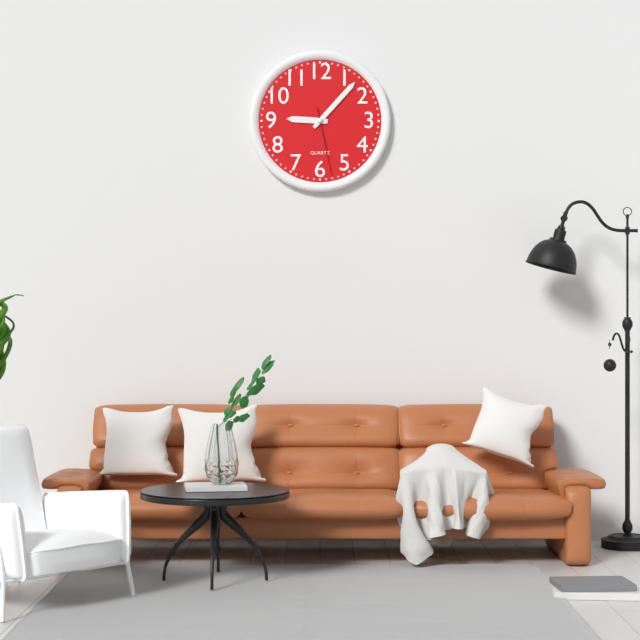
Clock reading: **9:07:28**
